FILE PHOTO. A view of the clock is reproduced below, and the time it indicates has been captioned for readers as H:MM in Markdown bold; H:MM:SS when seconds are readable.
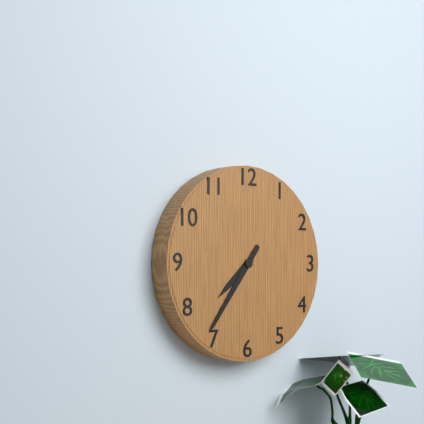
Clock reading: **7:36**
